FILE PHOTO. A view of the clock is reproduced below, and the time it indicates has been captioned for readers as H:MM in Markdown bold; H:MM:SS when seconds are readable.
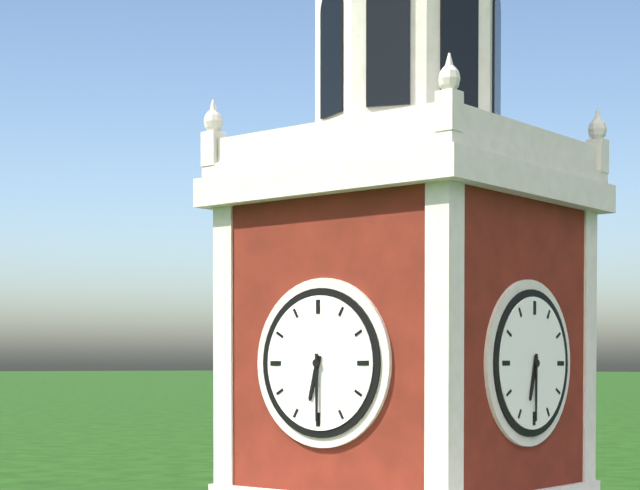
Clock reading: **6:30**
